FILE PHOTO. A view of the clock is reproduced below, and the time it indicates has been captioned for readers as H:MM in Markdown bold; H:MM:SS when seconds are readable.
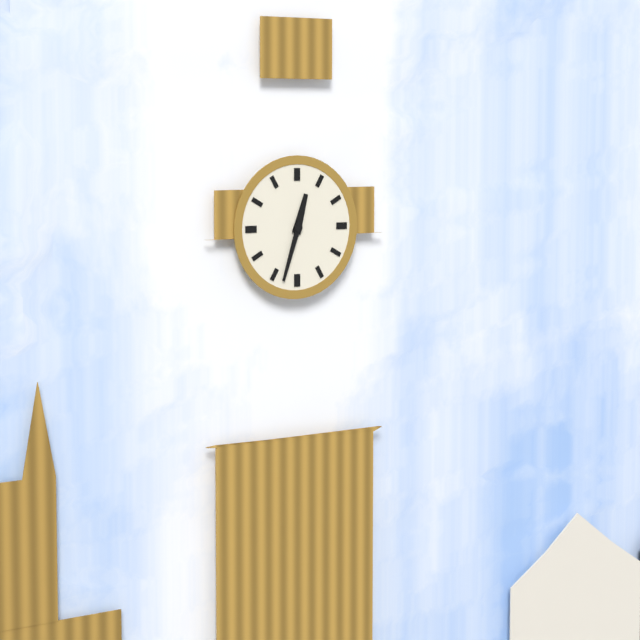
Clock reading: **12:33**
